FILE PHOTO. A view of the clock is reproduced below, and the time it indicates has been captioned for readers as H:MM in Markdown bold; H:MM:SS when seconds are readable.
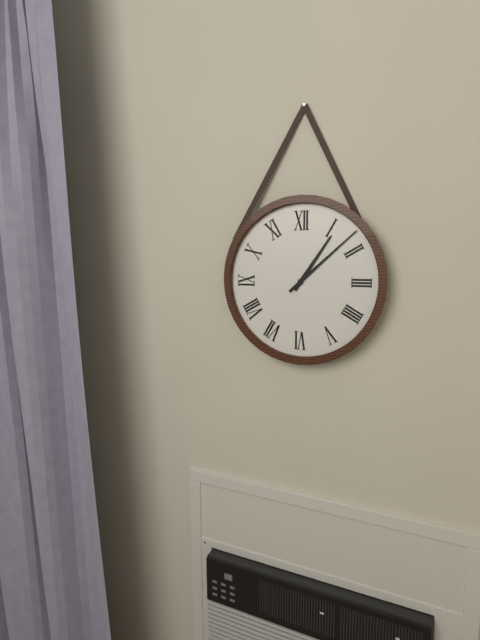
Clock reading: **1:08**
